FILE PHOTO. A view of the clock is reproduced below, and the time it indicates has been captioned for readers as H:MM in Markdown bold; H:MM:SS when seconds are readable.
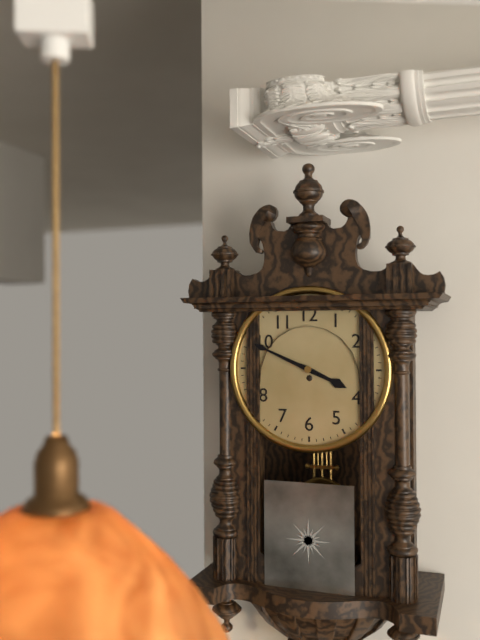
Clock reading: **3:49**
